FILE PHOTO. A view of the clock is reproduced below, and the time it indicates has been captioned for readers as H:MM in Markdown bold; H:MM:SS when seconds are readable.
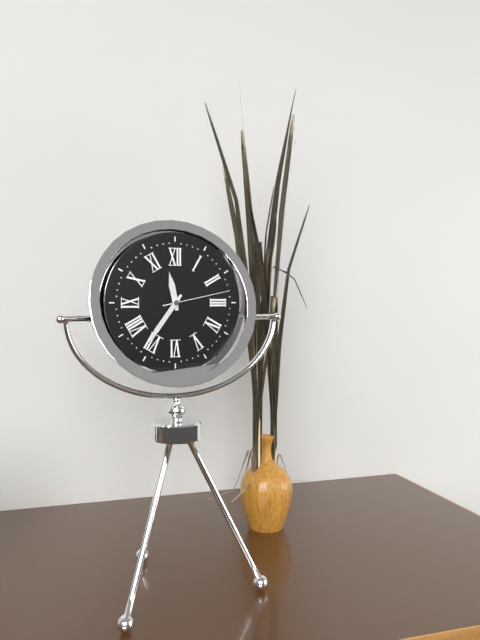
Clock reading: **11:36:13**
